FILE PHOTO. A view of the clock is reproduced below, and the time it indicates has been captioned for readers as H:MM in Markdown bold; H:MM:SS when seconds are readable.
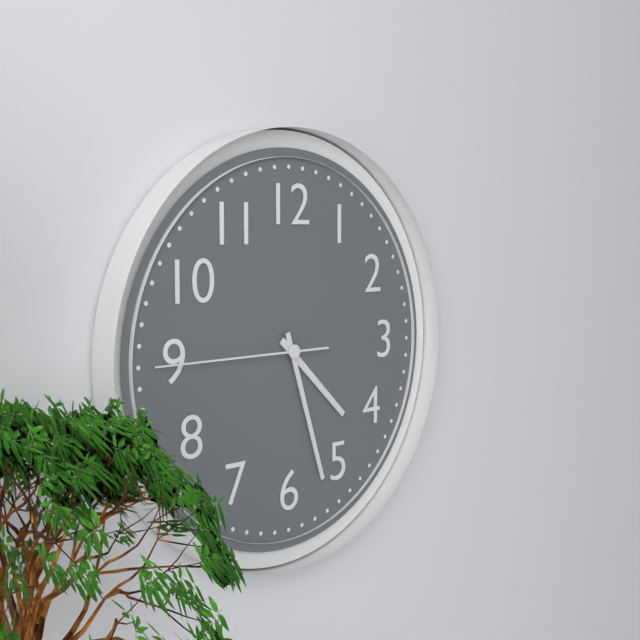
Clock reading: **4:27:45**
